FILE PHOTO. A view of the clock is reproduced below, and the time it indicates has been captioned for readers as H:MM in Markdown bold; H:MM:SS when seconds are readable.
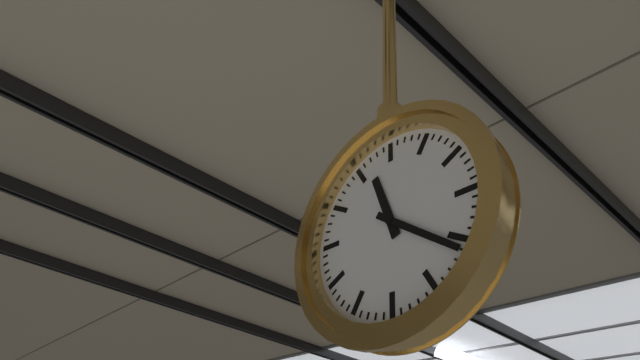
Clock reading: **11:21**
